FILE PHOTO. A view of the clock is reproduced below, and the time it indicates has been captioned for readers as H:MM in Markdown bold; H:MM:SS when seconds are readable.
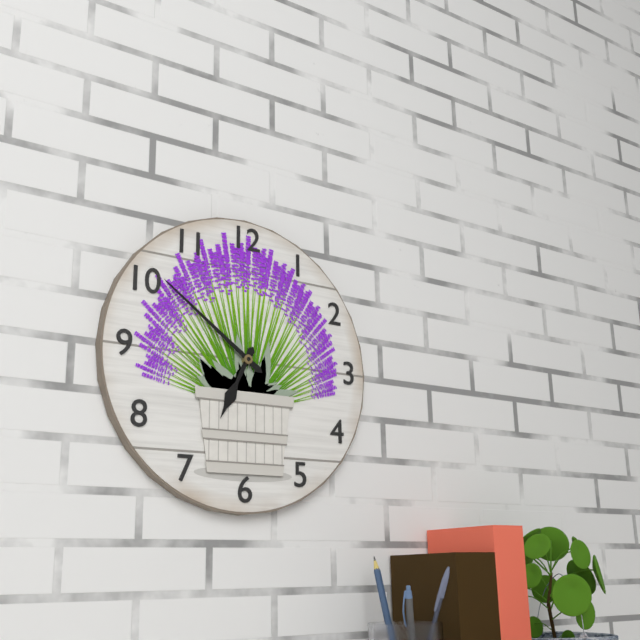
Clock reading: **6:51**
